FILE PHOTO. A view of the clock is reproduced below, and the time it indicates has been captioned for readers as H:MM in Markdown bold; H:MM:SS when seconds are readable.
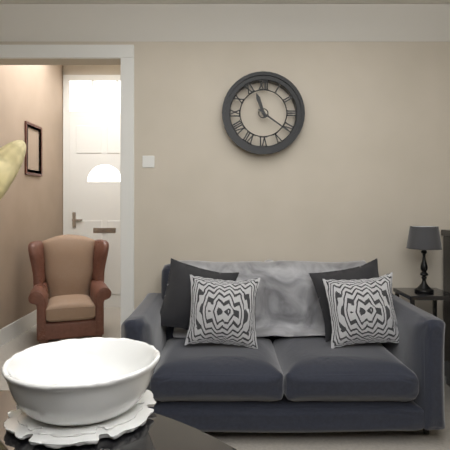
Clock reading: **11:21**
